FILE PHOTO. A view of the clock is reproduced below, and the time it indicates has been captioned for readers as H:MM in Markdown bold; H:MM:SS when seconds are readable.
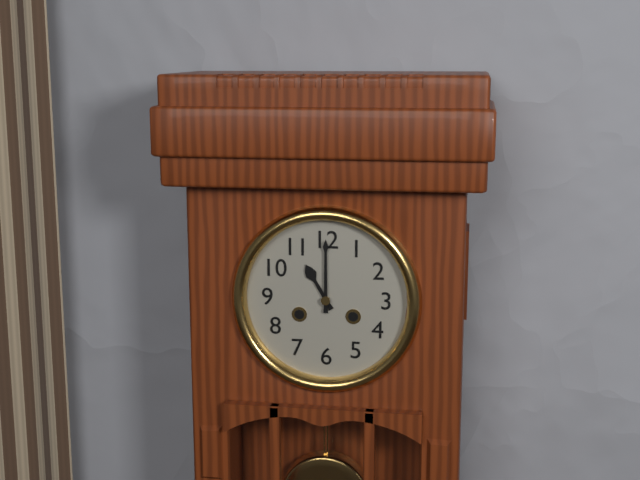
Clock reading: **11:00**
